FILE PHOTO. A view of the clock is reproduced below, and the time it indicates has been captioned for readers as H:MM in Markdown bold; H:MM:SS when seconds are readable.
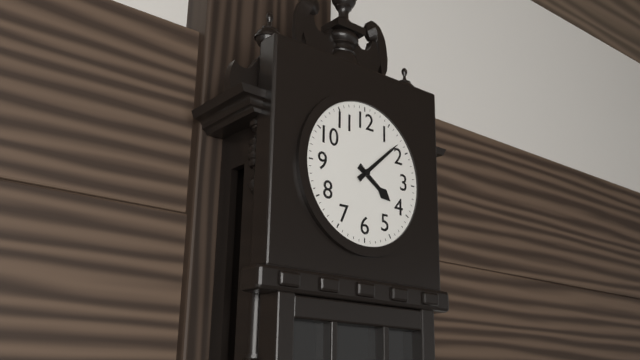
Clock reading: **4:08**
